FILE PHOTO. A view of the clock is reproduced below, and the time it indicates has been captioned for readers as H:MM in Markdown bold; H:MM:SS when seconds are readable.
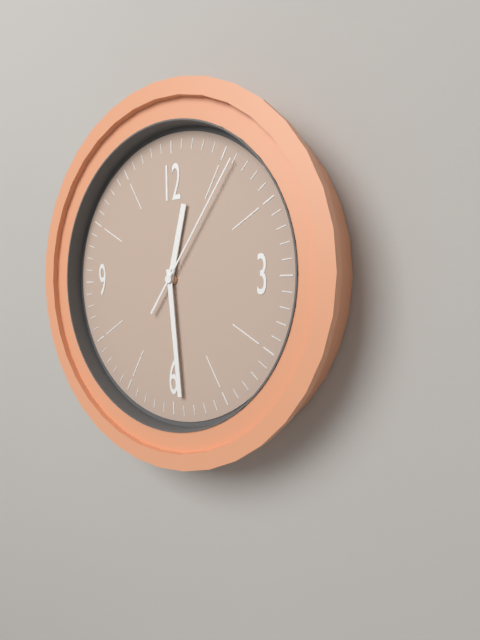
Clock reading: **12:29:06**
